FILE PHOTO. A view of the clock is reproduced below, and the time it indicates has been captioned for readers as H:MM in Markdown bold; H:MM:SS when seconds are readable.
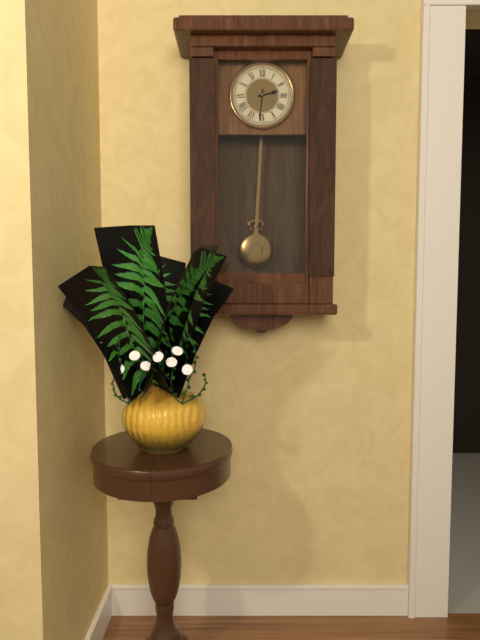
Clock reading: **2:31**
